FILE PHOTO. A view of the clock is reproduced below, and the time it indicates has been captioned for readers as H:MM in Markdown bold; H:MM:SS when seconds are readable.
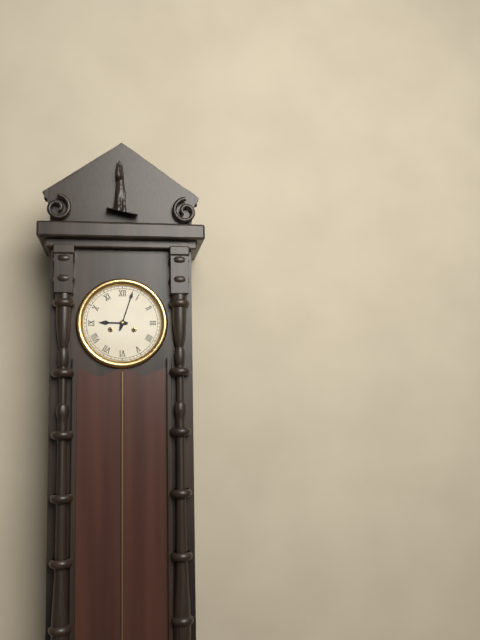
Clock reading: **9:03**
